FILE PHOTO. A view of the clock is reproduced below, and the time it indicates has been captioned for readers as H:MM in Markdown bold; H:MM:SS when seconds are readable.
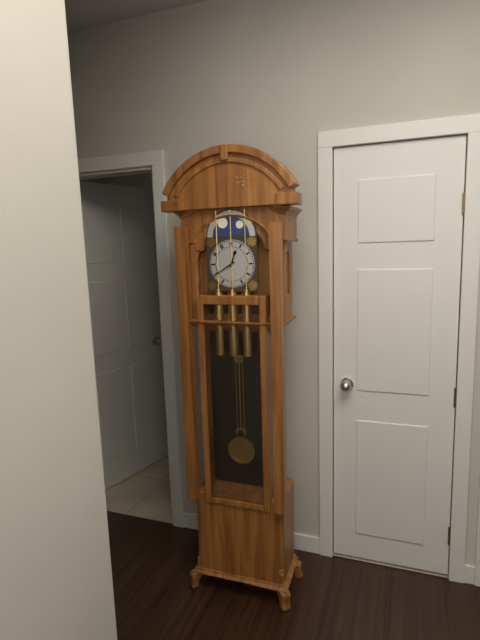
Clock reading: **12:40**
